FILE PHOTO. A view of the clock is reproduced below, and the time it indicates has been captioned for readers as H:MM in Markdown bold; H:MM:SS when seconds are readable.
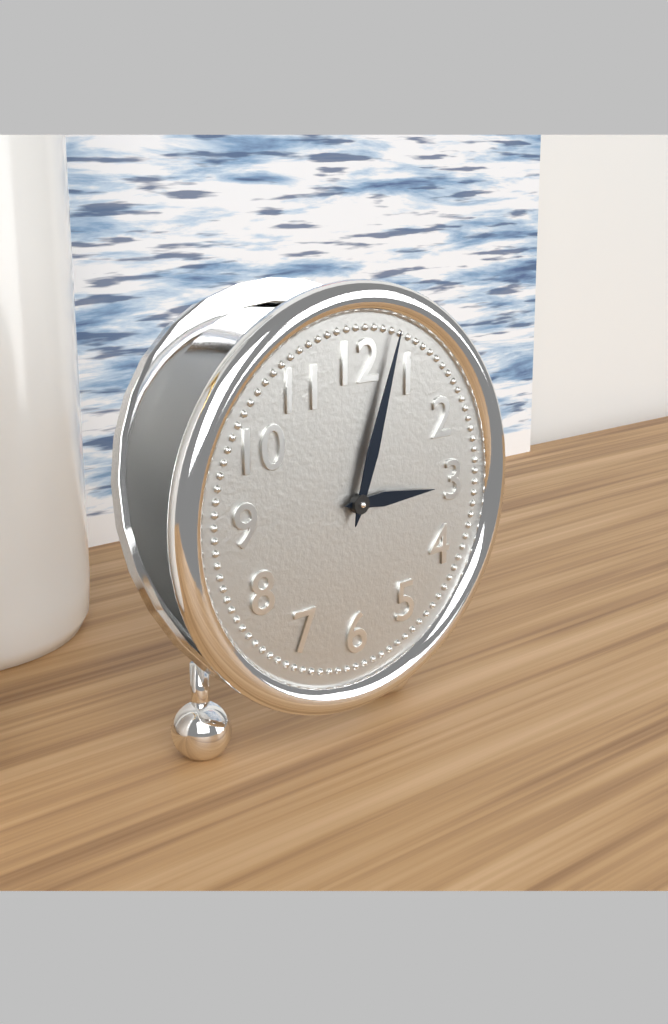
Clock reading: **3:03**
